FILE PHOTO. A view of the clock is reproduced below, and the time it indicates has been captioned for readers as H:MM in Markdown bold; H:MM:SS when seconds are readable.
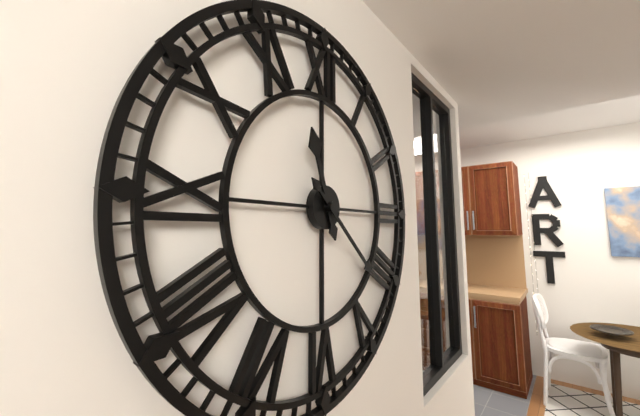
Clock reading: **11:22**
